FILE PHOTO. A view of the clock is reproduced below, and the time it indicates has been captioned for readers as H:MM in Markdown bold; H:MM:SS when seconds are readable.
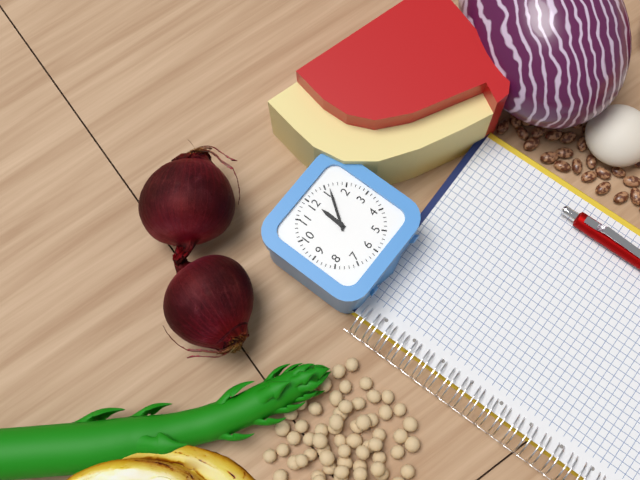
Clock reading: **12:06**
